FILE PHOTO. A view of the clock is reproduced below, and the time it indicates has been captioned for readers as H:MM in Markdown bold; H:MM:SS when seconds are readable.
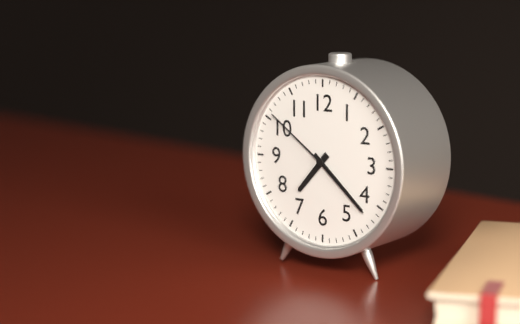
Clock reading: **7:22:51**
